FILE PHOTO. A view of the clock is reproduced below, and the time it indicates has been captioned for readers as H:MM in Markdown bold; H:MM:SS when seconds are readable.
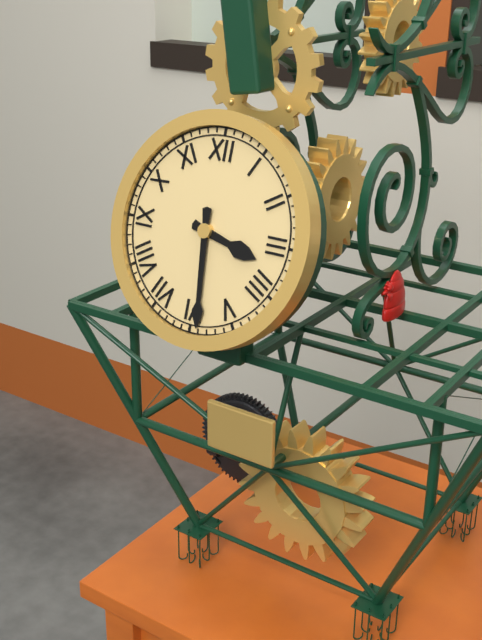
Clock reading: **3:29**
